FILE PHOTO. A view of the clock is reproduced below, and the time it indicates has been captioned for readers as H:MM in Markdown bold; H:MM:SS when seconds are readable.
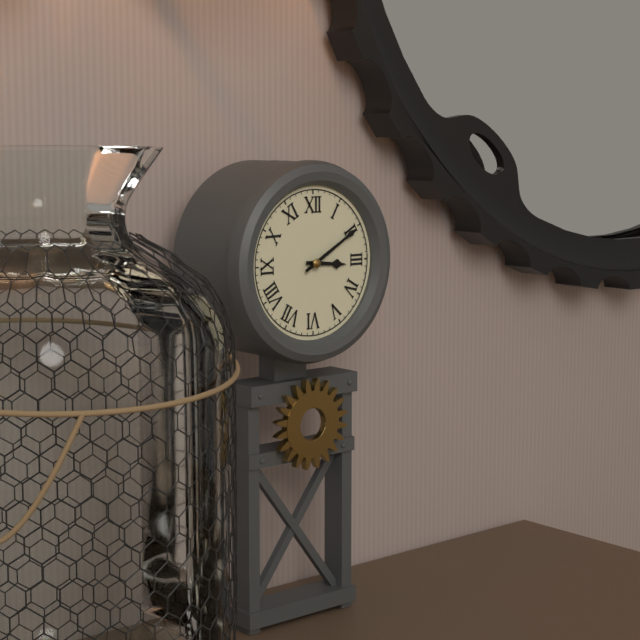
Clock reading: **3:10**
